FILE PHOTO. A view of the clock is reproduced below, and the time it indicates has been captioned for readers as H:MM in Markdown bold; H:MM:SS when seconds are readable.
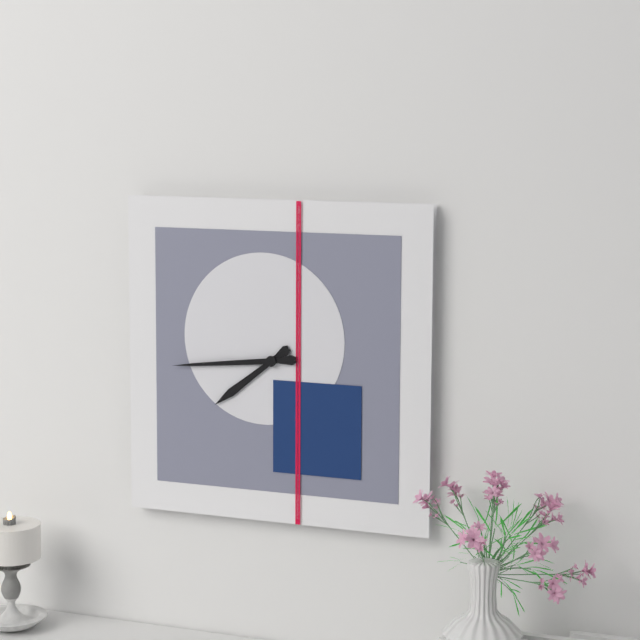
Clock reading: **7:44**
